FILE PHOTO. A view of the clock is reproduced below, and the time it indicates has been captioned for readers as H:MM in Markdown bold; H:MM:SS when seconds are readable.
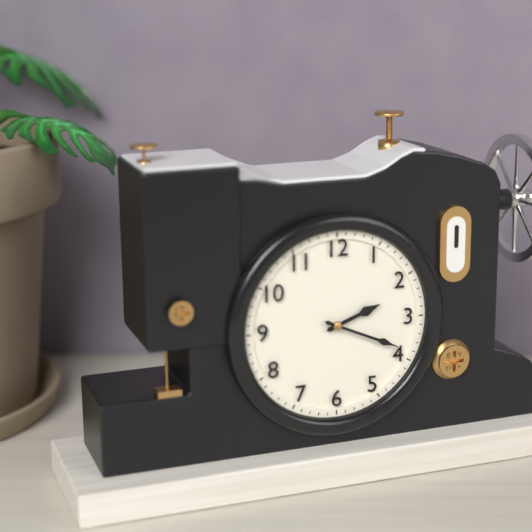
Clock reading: **2:19**
